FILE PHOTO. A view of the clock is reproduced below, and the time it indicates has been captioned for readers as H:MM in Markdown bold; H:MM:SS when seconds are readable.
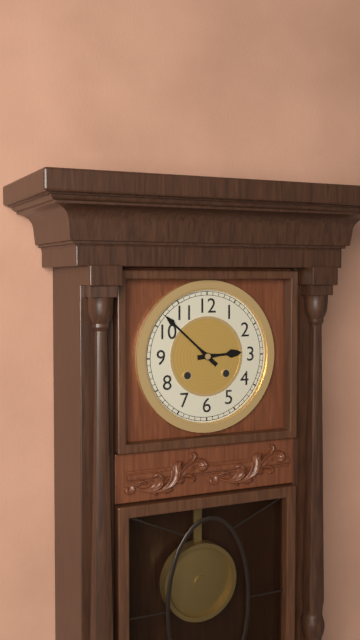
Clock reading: **2:52**
